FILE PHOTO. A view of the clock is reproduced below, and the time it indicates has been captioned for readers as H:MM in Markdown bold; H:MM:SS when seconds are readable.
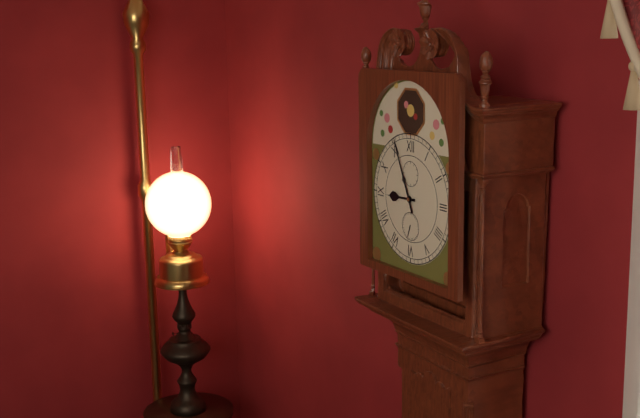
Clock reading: **8:56**
